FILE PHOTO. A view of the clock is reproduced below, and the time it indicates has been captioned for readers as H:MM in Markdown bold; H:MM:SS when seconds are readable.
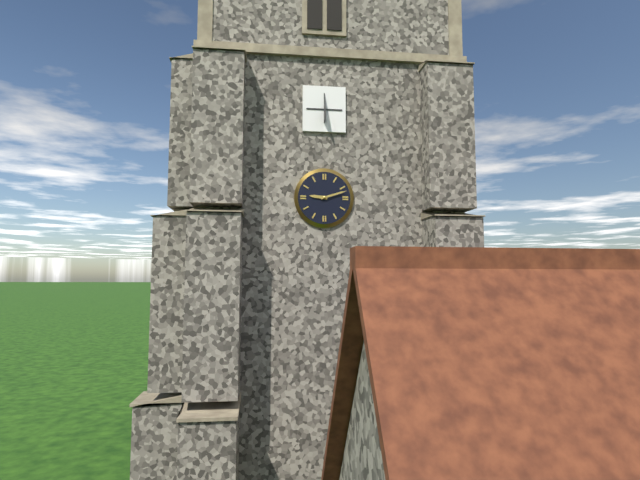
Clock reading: **9:12**
